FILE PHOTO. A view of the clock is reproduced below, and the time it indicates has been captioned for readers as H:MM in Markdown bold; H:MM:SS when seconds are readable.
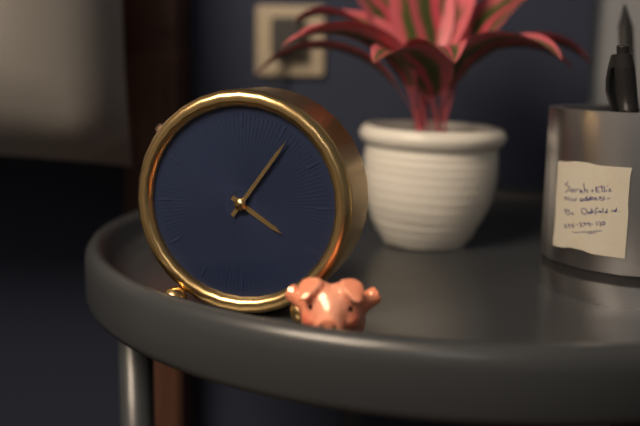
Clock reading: **4:06**
